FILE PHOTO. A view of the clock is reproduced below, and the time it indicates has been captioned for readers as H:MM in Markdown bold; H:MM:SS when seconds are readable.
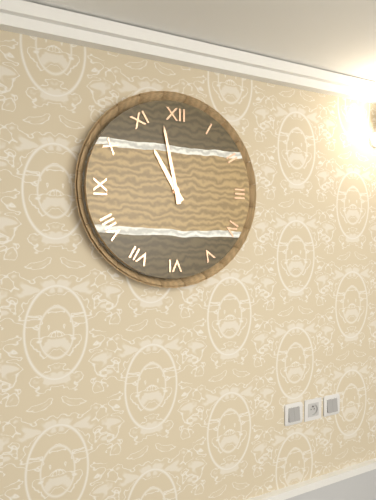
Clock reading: **10:58**
